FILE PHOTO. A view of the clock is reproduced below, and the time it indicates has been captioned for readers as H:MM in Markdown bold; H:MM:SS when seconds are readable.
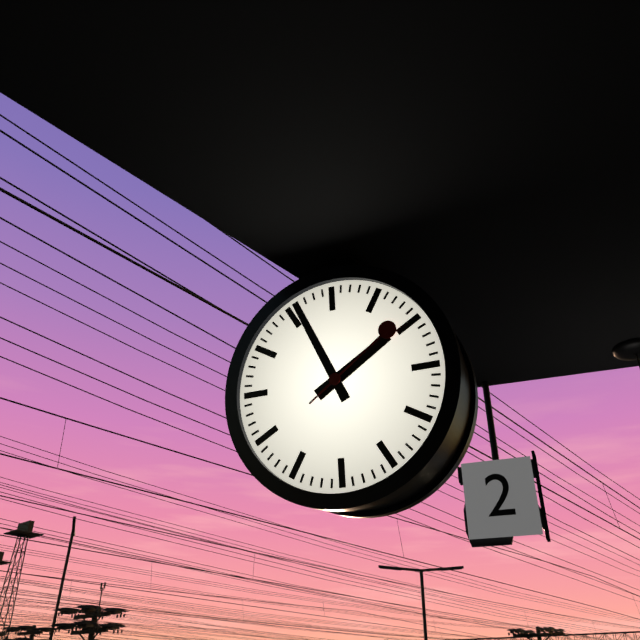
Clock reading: **1:56:09**
